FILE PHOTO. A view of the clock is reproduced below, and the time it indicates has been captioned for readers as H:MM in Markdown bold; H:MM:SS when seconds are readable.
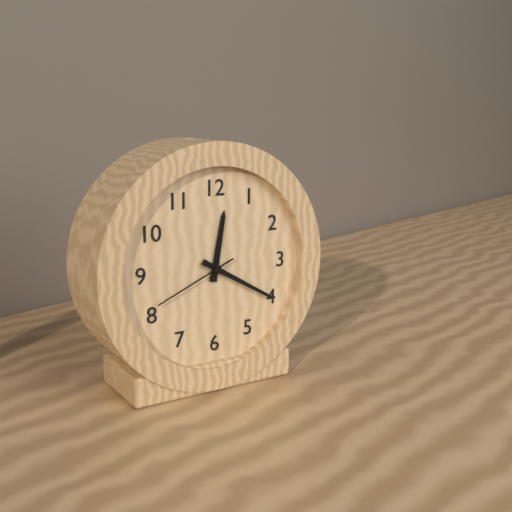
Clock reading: **12:20:41**
